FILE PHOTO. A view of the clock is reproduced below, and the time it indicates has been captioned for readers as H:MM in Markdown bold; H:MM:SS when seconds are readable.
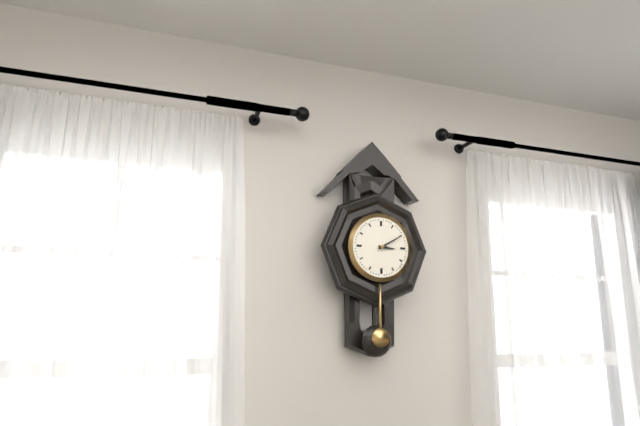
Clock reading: **3:10**
